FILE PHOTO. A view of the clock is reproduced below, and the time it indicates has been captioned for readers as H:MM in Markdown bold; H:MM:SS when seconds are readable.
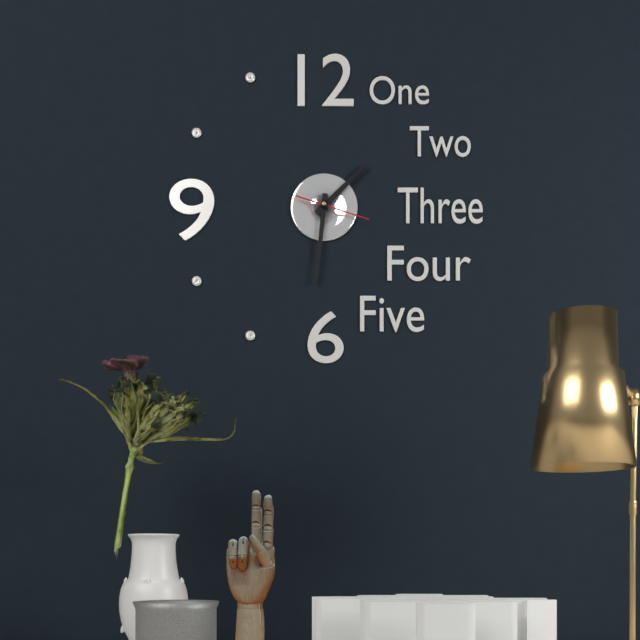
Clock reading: **1:31:18**
